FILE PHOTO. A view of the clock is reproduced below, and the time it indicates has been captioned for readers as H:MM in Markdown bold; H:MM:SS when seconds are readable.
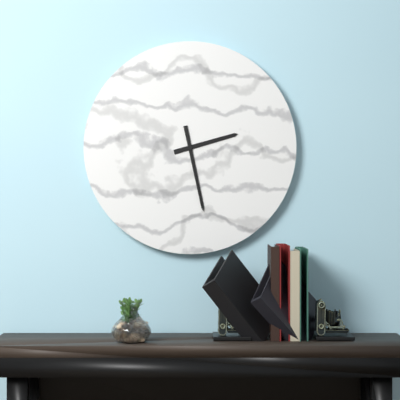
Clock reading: **2:28**
